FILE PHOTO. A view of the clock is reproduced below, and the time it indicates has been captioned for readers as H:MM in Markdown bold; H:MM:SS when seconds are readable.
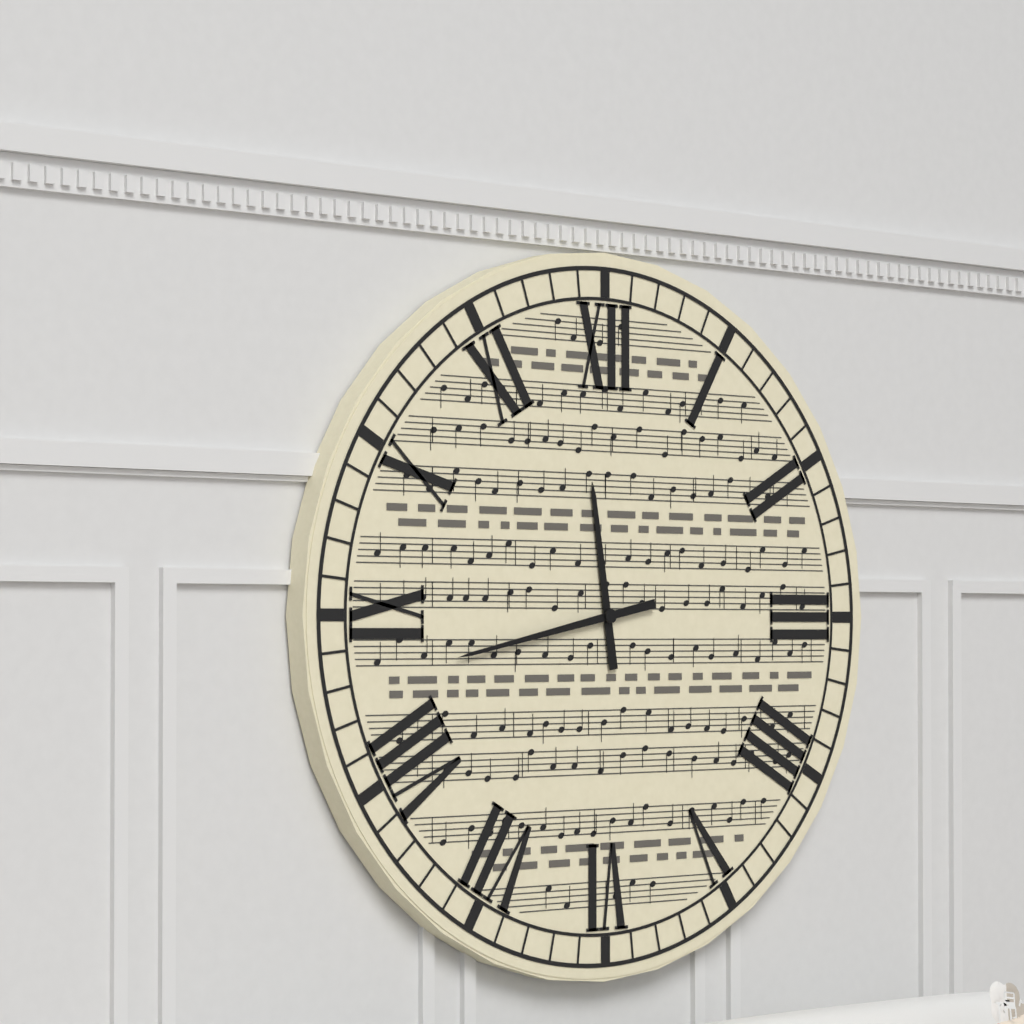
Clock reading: **11:43**
